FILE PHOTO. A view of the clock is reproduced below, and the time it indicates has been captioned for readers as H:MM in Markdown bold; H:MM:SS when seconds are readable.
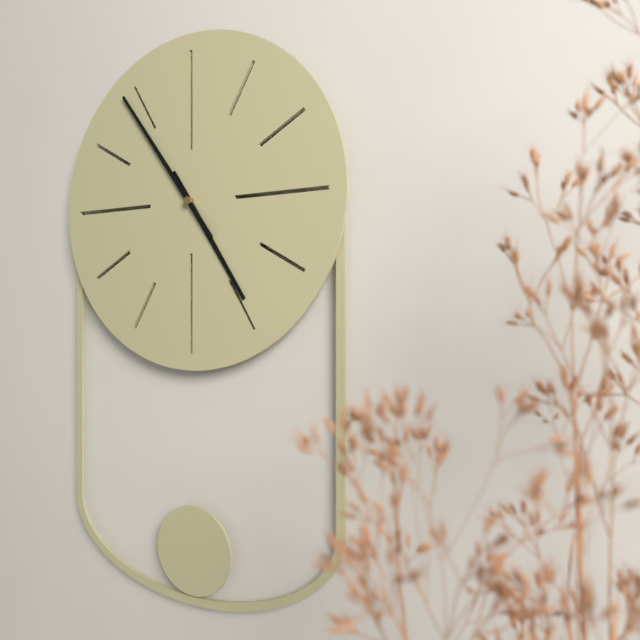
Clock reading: **4:54**
